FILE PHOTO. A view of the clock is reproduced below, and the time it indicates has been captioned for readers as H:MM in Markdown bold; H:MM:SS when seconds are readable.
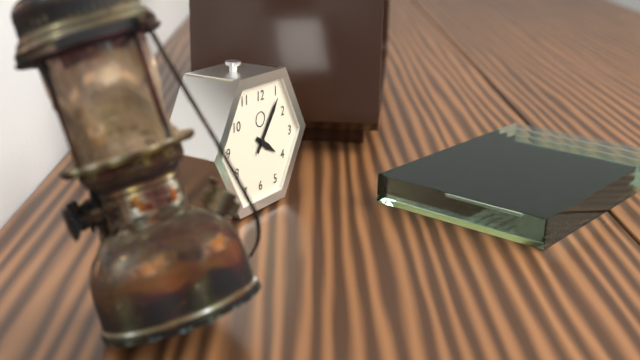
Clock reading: **4:06**
